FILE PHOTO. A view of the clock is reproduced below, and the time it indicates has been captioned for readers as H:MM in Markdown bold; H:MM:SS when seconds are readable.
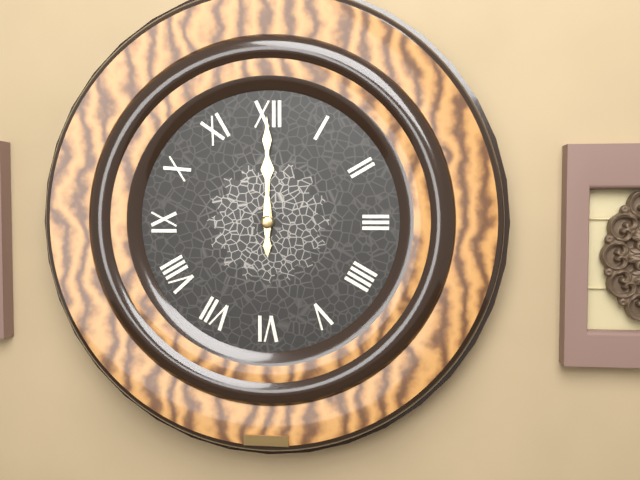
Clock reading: **12:00**
